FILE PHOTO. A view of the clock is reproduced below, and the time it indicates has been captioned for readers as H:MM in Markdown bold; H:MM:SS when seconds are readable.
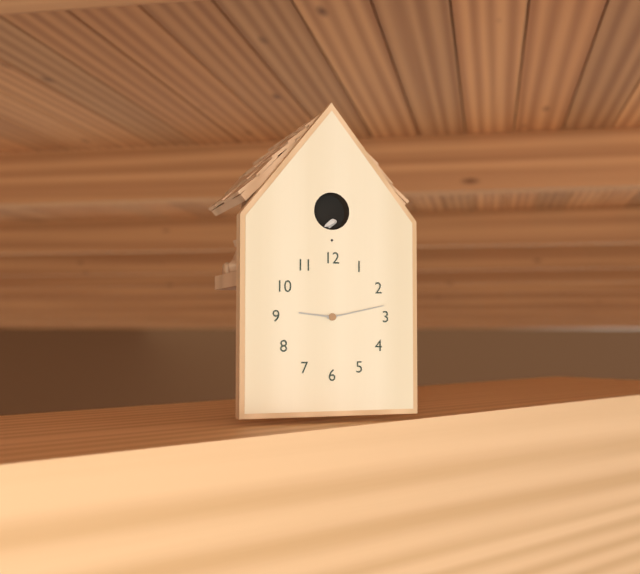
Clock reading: **9:13**
